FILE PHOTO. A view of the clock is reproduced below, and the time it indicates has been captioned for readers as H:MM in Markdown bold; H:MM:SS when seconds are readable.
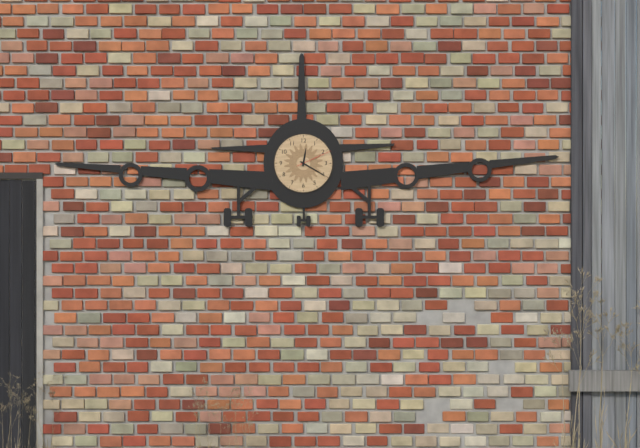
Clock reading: **12:20**
